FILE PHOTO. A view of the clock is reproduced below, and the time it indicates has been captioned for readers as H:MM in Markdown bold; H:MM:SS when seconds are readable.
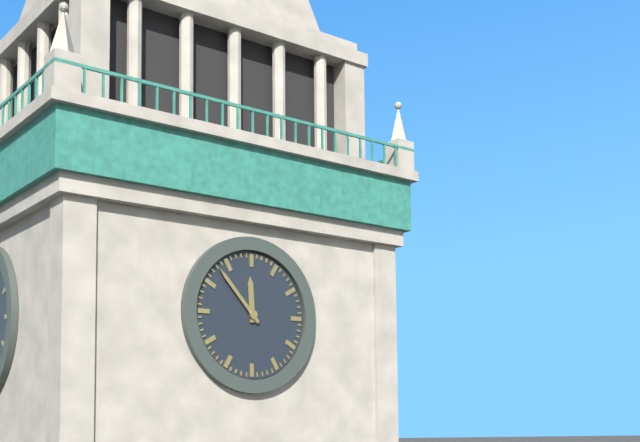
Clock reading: **11:53**
